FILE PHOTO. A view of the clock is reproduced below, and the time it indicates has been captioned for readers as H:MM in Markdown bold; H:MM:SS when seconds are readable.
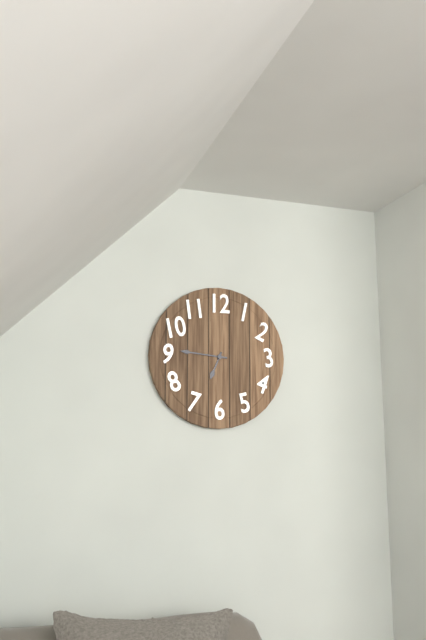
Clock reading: **6:46**
